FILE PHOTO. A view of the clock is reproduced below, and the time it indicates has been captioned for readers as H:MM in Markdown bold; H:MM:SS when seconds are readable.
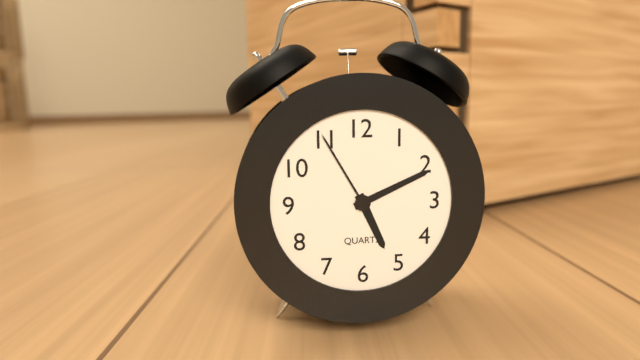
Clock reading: **5:11:55**
